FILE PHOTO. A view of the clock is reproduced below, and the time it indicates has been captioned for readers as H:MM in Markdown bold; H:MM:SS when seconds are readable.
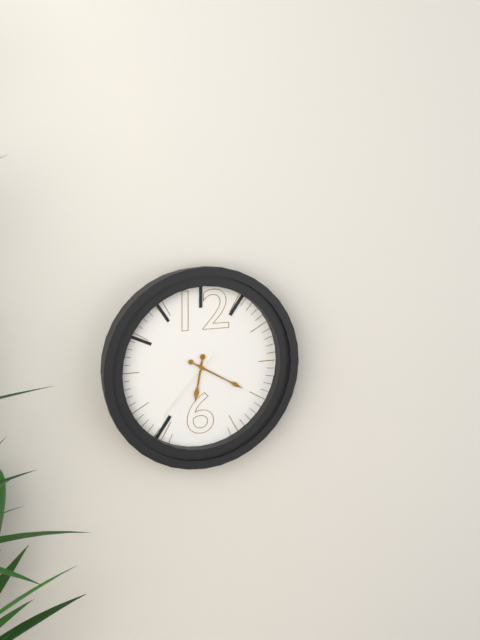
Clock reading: **6:20:37**
